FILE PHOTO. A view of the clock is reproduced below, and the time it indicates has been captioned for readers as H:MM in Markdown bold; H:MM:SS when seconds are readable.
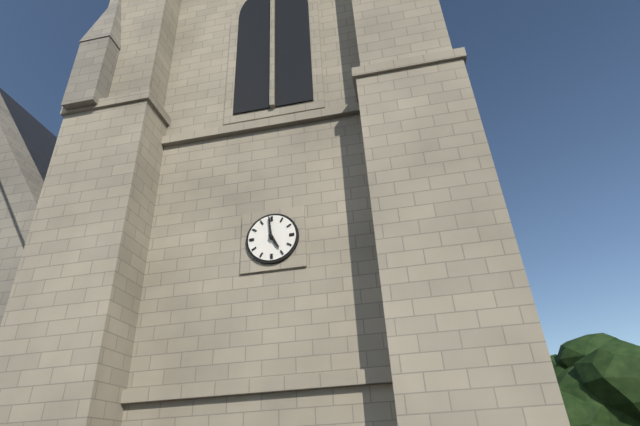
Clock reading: **4:59**
